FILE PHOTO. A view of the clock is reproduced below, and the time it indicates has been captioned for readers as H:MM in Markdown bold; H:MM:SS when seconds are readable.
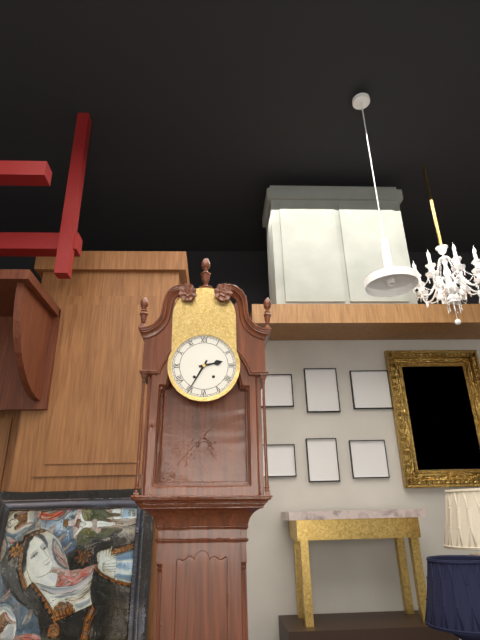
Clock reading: **2:35**
